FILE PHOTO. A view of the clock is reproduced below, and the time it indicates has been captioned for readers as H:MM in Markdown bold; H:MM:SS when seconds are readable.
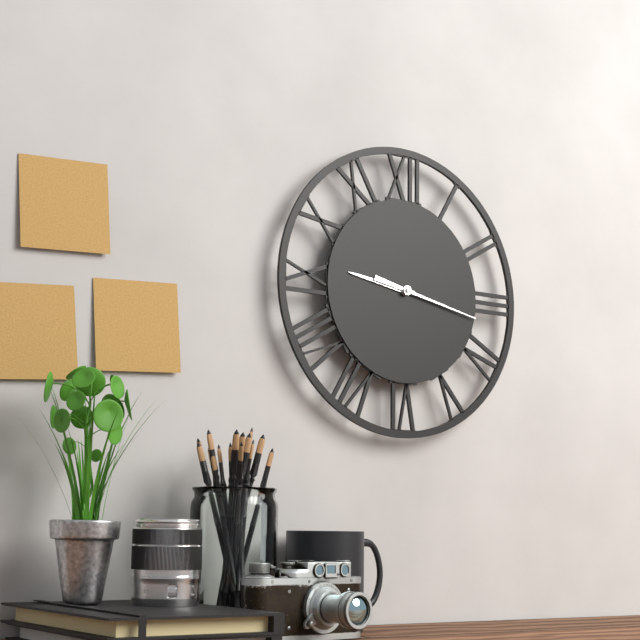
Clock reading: **9:17**
